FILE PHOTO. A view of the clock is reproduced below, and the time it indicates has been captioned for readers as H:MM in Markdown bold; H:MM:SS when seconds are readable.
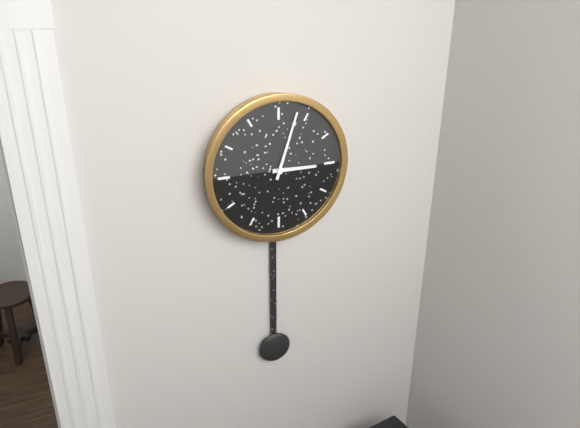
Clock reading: **3:03**
